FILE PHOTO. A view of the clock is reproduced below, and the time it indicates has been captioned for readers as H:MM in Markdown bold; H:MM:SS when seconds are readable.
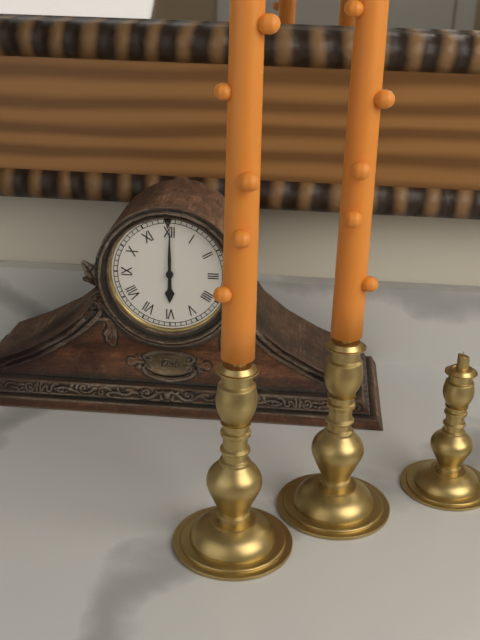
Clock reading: **6:00**
